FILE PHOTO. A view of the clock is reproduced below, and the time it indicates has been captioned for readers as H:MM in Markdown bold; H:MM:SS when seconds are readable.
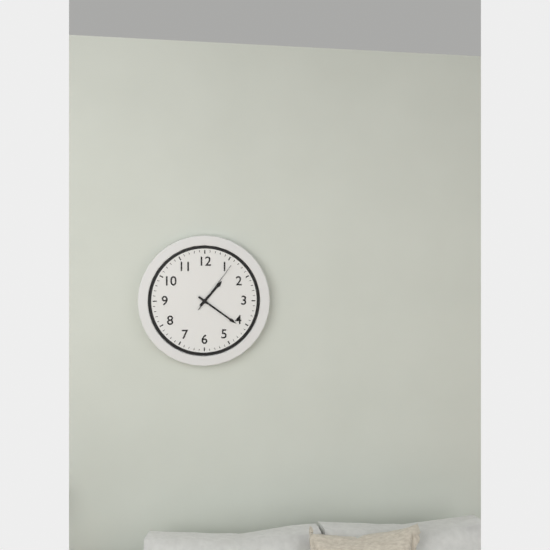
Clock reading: **1:21:06**
